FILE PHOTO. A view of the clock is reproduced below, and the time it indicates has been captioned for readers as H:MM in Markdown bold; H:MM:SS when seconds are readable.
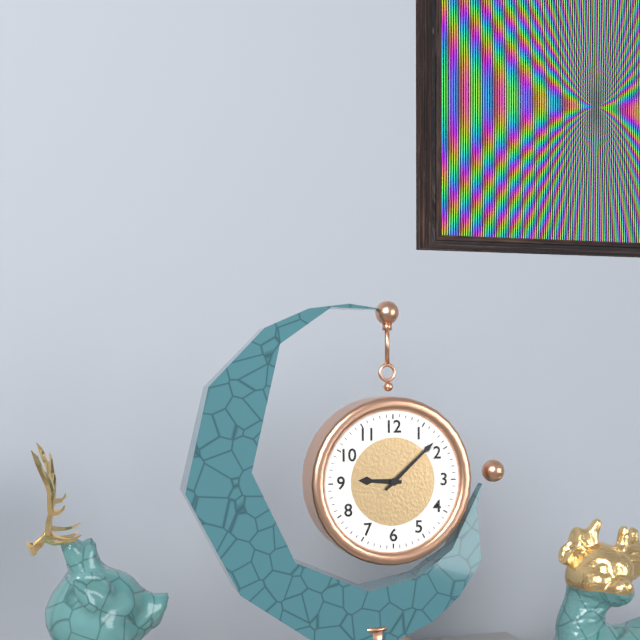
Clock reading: **9:08**
